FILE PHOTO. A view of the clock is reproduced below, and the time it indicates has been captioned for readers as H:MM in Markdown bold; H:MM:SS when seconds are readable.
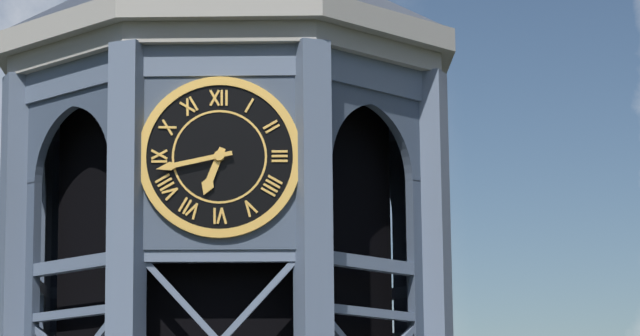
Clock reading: **6:43**
